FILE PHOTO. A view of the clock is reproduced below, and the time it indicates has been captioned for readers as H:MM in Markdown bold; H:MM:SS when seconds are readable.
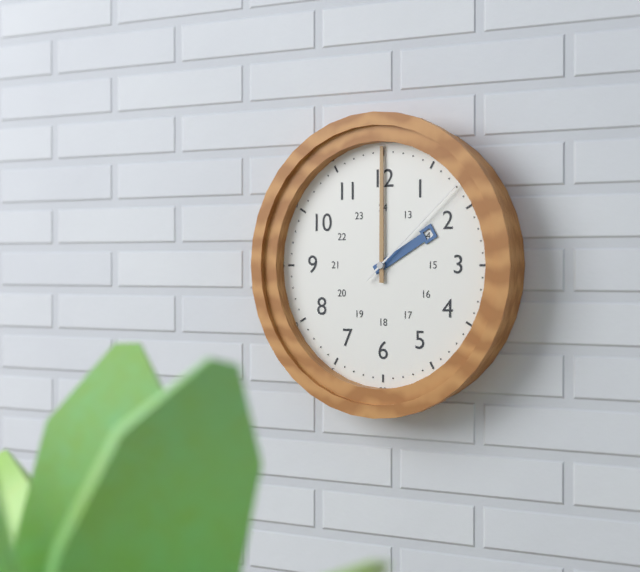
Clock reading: **2:00:08**
